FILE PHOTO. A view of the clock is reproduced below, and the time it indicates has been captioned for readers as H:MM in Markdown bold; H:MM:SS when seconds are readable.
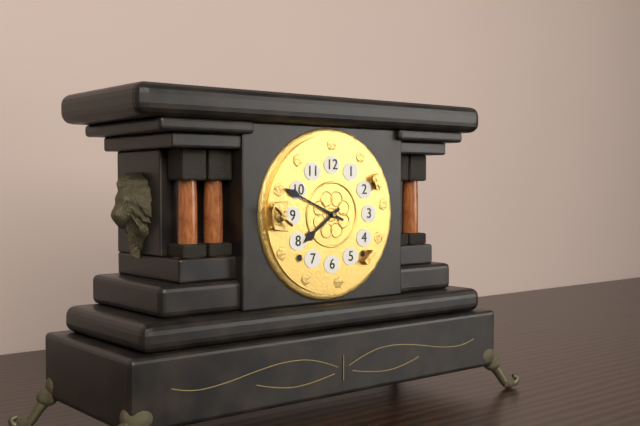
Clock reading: **7:49**
